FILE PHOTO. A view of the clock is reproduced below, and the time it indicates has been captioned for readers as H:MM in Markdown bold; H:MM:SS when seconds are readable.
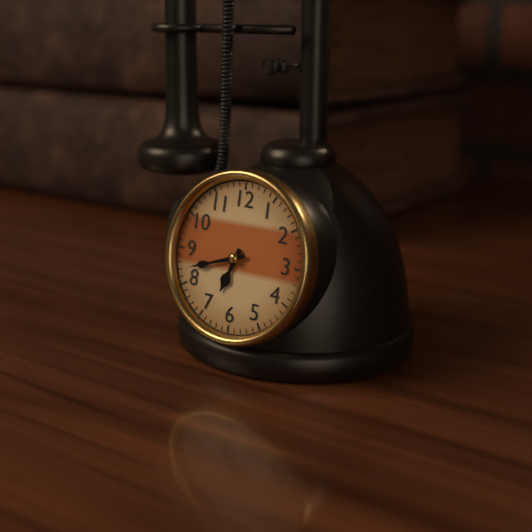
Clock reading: **6:42**
